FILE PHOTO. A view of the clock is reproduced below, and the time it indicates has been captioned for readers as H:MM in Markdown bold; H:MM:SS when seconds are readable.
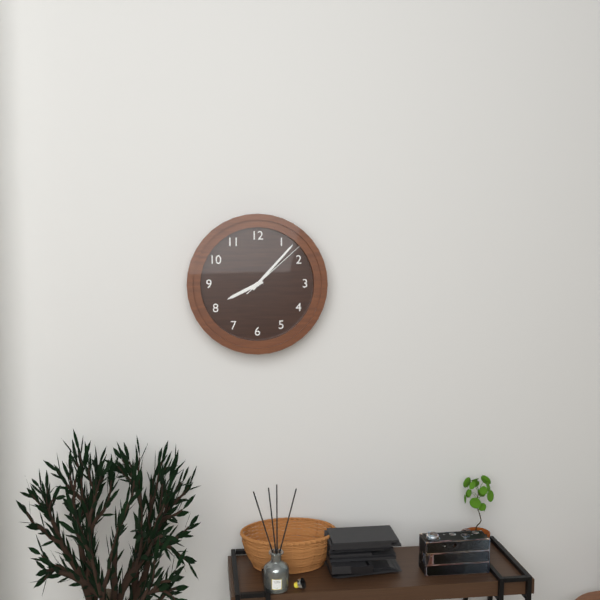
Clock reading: **8:07:08**
